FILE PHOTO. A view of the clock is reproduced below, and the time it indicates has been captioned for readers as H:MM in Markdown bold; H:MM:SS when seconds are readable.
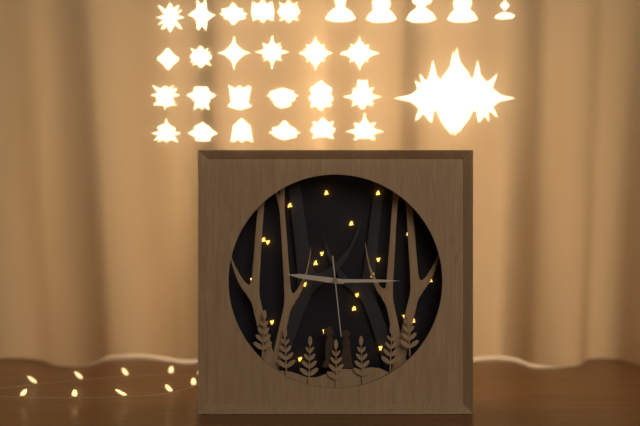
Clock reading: **9:15:29**
